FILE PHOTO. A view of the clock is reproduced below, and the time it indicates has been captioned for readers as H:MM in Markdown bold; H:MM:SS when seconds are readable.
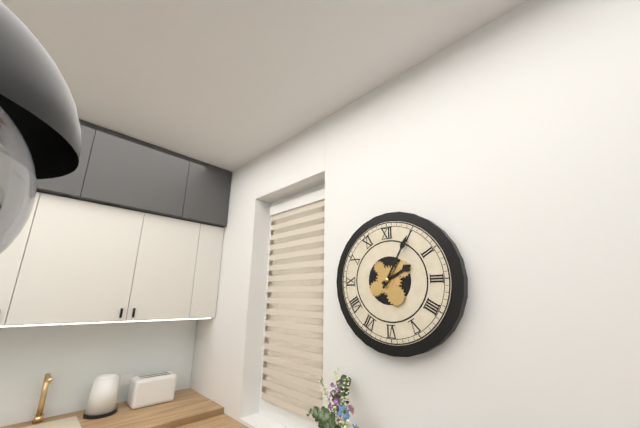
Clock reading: **2:05**
